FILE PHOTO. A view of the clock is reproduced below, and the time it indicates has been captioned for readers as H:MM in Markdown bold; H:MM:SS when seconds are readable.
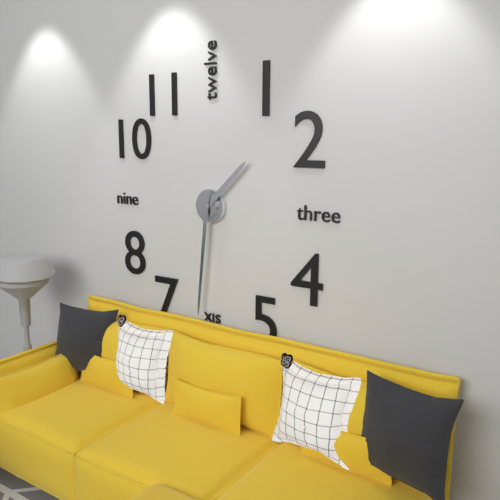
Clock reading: **1:31**
